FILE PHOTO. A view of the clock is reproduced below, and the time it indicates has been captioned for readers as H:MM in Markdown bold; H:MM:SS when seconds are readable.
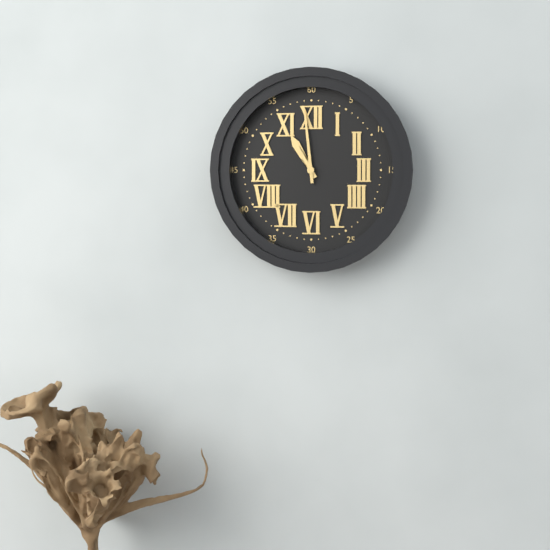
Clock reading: **10:59**
